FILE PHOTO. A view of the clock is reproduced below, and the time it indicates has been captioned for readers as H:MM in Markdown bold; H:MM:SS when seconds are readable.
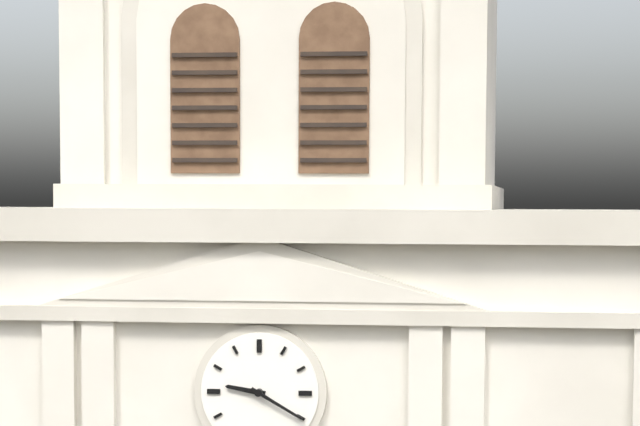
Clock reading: **9:20**
